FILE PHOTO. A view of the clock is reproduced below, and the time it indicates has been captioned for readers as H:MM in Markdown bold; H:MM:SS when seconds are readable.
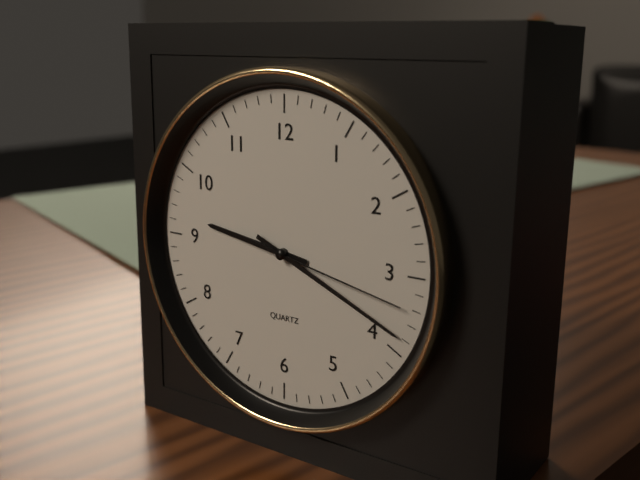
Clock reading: **9:19:17**
